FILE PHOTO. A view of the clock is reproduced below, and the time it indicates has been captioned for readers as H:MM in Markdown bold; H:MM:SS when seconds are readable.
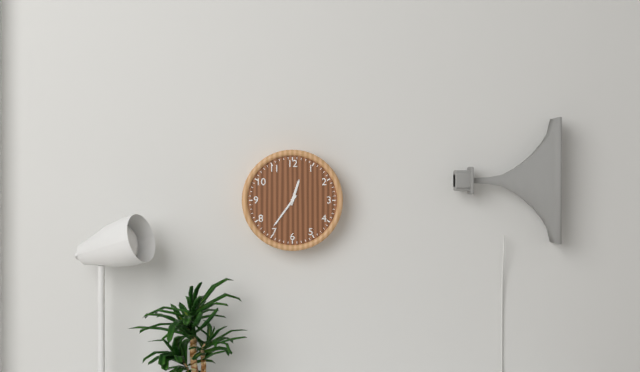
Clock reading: **12:36**
